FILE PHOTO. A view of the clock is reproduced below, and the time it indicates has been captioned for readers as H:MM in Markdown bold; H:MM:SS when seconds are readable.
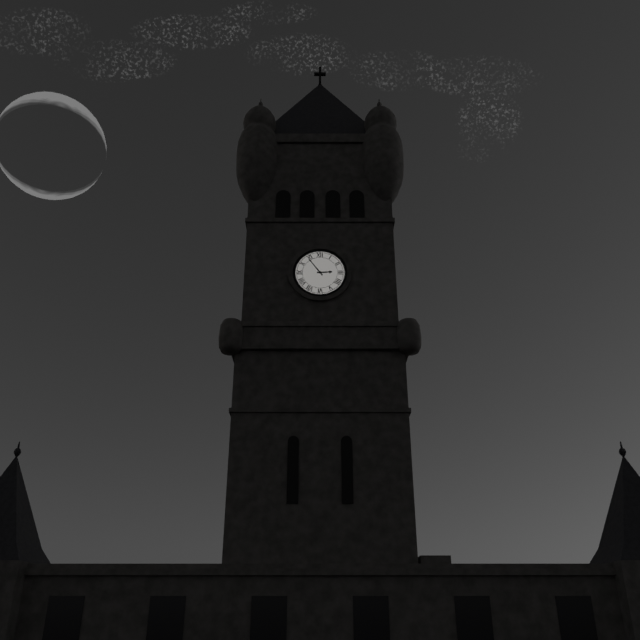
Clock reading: **2:54**
